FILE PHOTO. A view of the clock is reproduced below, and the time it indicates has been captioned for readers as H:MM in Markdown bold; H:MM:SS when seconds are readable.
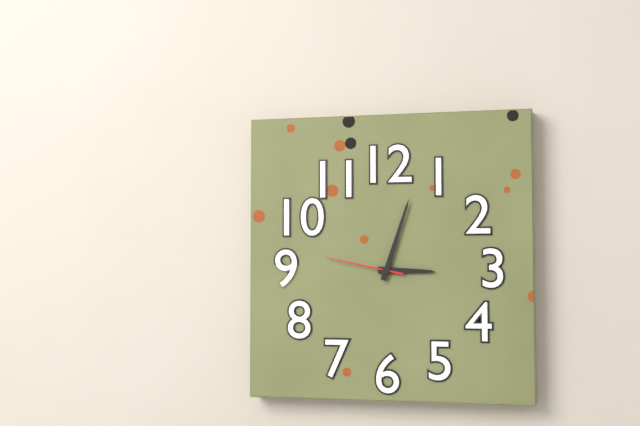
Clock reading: **3:03:47**
